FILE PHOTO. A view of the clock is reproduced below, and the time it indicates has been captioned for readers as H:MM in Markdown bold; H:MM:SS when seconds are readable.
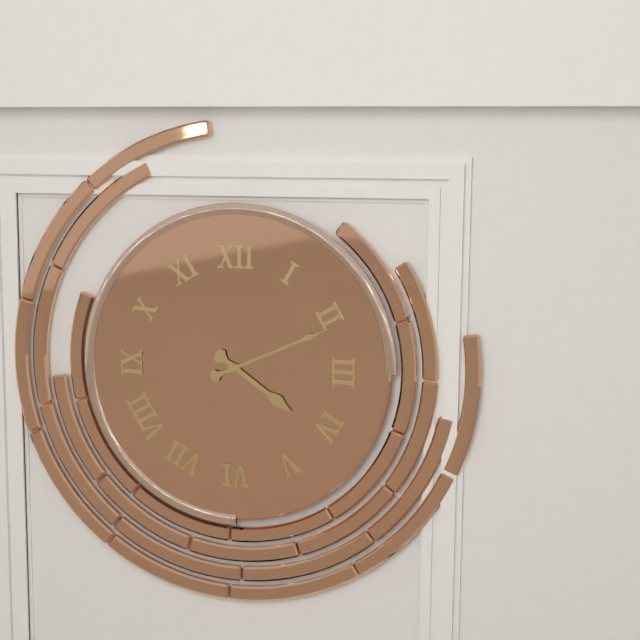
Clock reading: **4:11**
